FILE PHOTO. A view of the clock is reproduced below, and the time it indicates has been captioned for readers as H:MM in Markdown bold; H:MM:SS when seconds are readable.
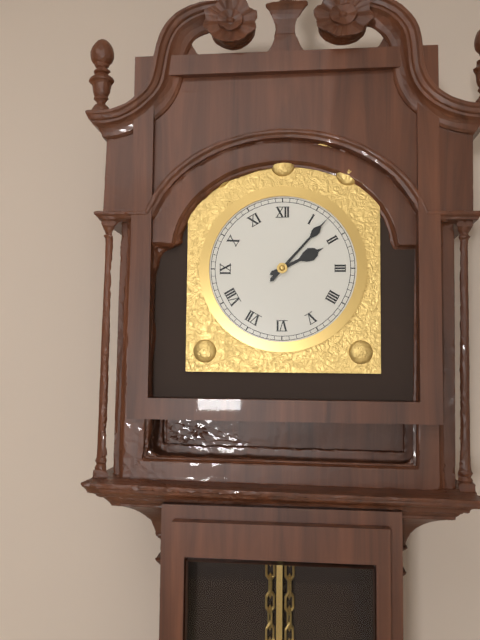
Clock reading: **2:07**
